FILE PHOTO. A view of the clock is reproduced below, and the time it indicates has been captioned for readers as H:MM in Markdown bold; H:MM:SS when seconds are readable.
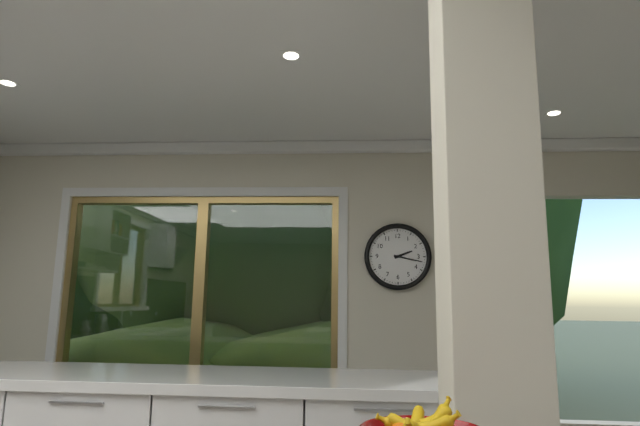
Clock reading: **2:17**
